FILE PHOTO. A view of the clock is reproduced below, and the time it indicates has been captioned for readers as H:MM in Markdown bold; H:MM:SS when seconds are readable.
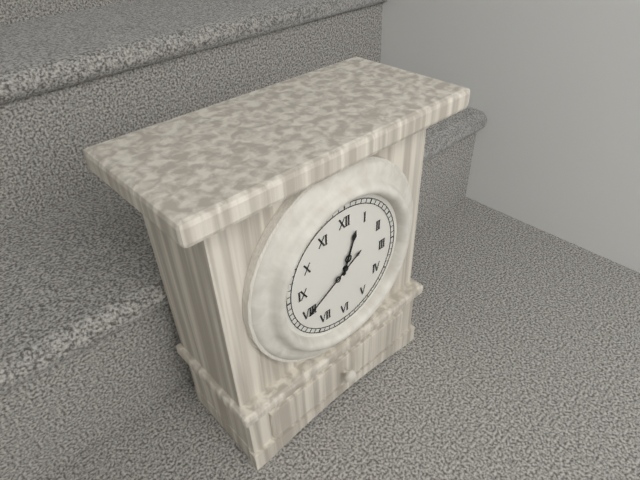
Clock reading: **12:40**
